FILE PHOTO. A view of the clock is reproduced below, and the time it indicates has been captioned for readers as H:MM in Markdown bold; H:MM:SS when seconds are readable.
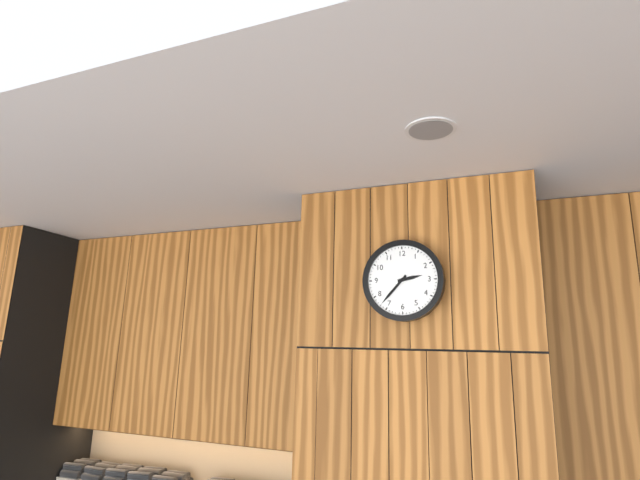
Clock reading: **2:37**
